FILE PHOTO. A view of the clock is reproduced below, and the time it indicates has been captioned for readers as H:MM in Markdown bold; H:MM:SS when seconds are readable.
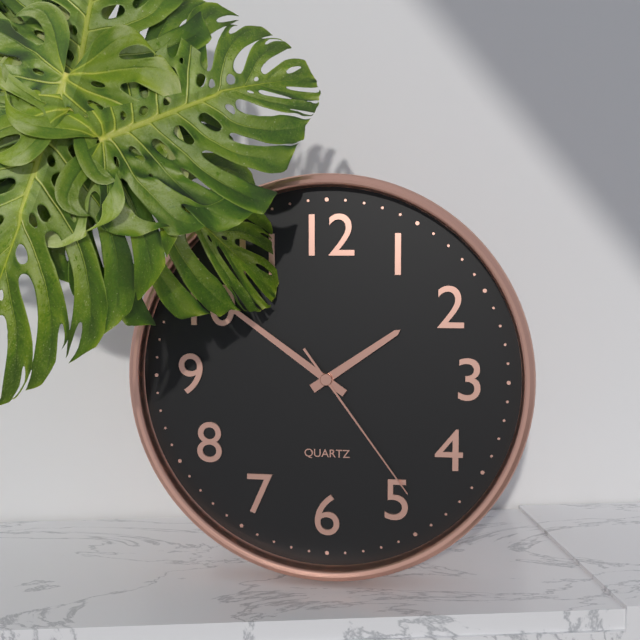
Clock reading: **1:51:24**
